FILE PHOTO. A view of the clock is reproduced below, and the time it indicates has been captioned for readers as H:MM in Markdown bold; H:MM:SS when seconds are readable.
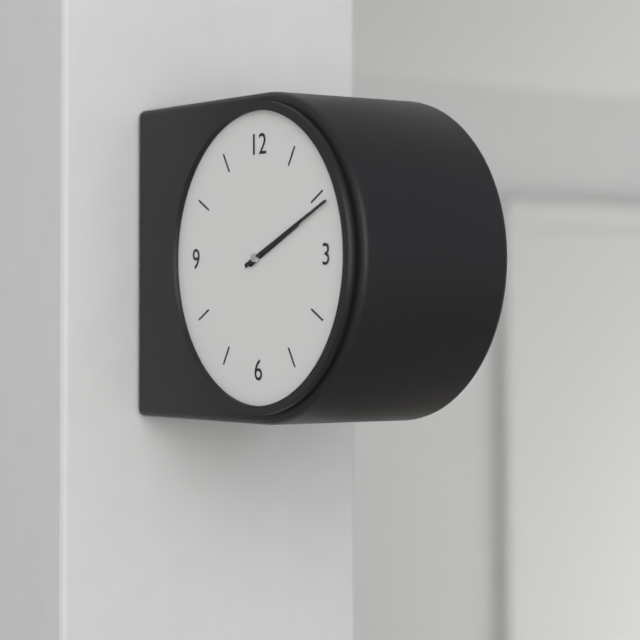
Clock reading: **2:11**
